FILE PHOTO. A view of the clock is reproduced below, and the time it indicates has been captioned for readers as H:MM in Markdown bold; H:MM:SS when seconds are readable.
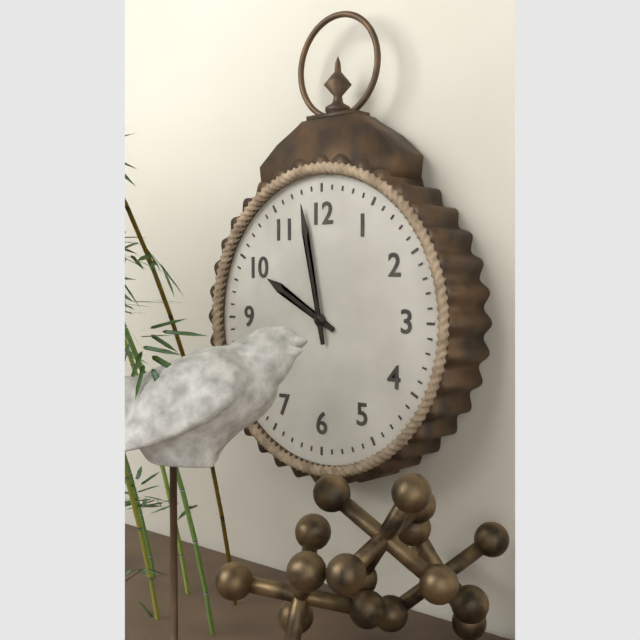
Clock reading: **9:58**
